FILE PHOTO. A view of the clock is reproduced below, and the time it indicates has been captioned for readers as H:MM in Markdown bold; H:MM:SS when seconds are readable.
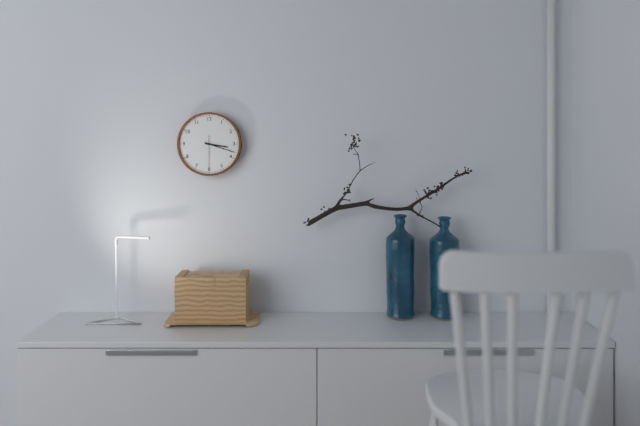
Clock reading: **3:18**
